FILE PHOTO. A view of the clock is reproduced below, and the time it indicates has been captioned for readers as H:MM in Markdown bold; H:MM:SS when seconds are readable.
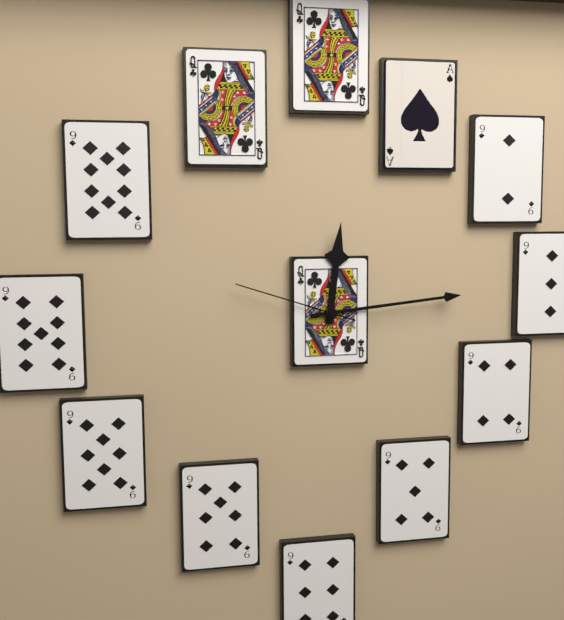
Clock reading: **12:14:48**
